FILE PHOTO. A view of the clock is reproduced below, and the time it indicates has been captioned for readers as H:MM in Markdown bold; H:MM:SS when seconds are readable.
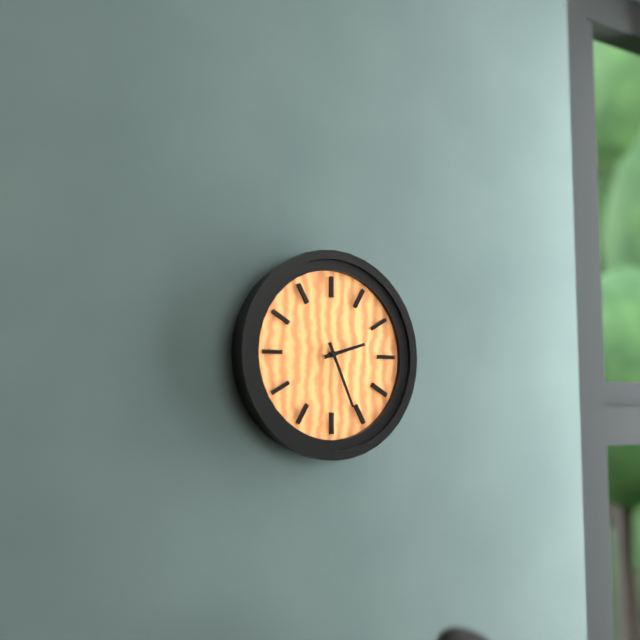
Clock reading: **2:26**
